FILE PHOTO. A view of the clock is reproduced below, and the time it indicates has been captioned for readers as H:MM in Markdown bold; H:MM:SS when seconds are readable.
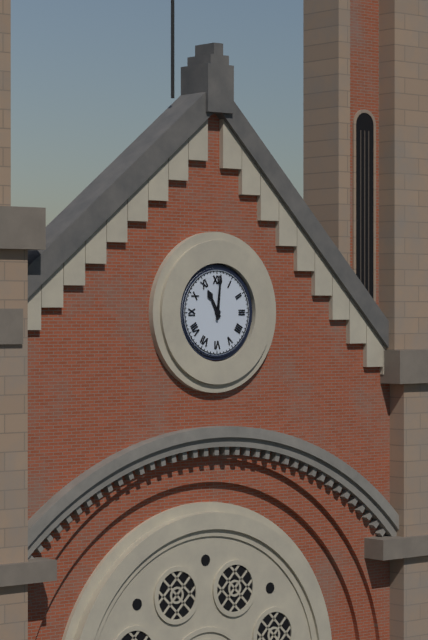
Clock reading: **11:01**
